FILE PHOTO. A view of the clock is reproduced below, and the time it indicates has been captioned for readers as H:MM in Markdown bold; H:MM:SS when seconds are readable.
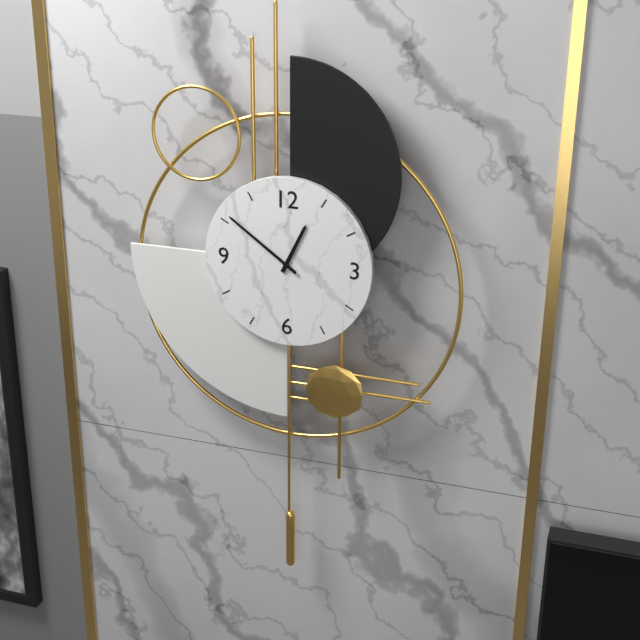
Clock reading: **12:51**
